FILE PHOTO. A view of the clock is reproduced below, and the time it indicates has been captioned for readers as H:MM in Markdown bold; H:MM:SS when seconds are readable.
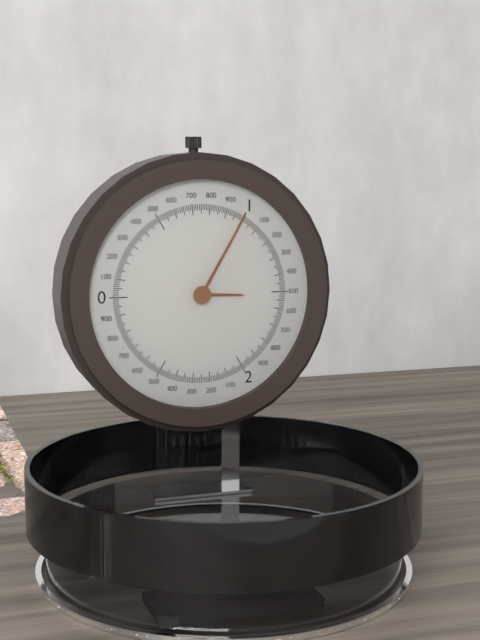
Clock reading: **3:05**
